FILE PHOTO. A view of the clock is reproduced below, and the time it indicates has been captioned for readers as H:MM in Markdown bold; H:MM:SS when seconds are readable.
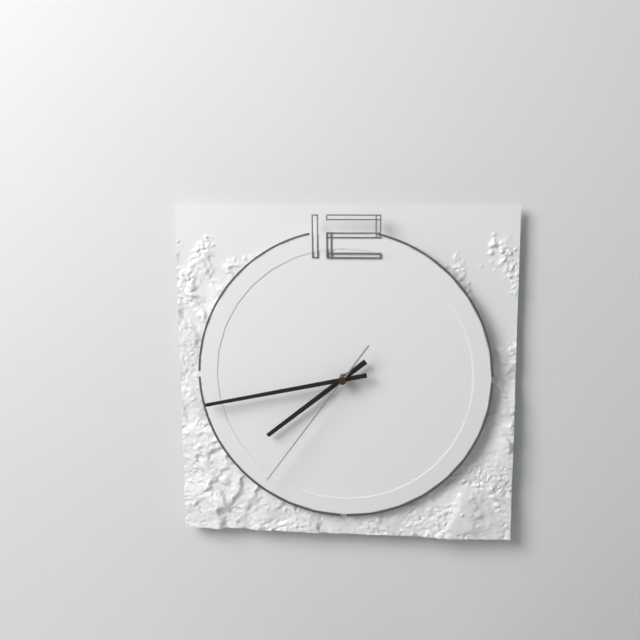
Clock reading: **7:43:36**
